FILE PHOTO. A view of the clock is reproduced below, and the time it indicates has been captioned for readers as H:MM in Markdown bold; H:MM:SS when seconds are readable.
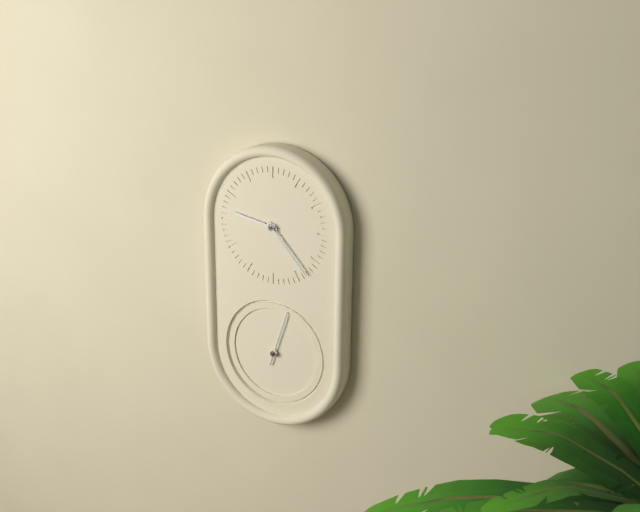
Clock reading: **9:23**
